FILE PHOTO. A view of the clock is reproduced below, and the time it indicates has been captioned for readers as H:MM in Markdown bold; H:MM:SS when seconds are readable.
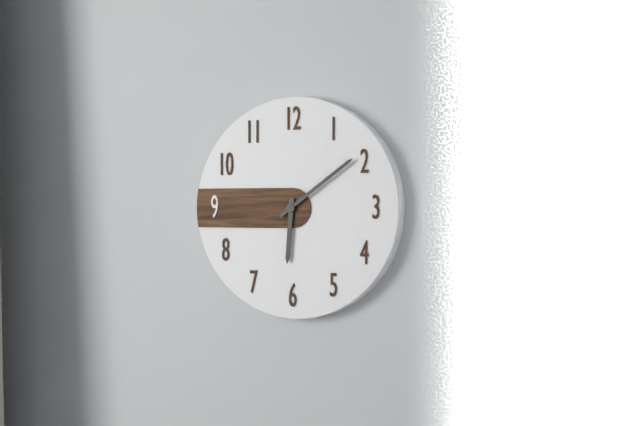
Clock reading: **6:09**
